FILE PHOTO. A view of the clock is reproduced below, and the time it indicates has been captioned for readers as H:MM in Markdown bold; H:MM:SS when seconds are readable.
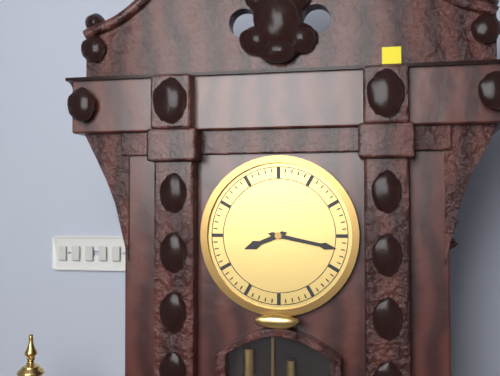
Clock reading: **8:17**
